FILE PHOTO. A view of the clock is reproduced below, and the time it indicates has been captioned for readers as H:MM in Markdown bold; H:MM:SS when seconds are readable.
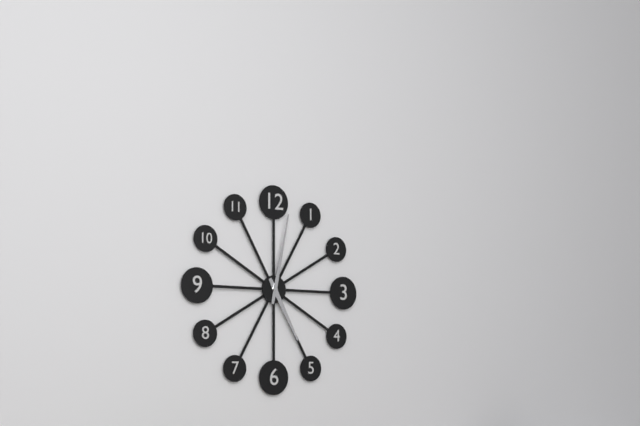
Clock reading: **5:02**
